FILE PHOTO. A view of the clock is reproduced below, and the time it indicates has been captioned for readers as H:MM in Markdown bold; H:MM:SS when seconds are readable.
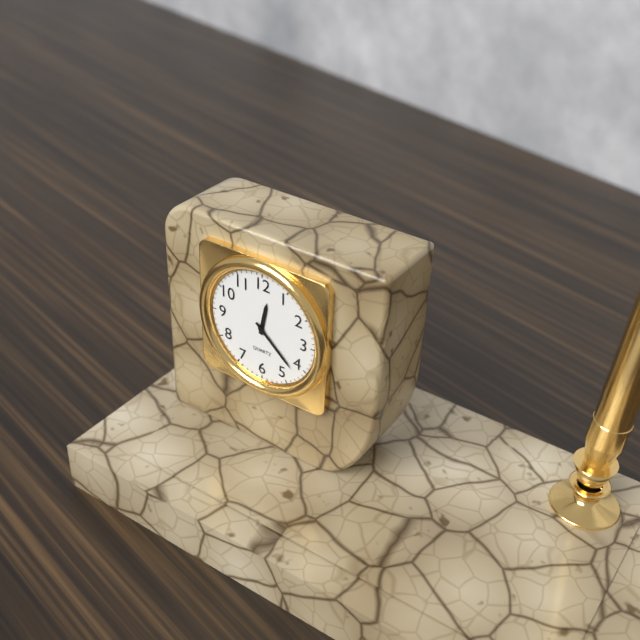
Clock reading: **12:22**
